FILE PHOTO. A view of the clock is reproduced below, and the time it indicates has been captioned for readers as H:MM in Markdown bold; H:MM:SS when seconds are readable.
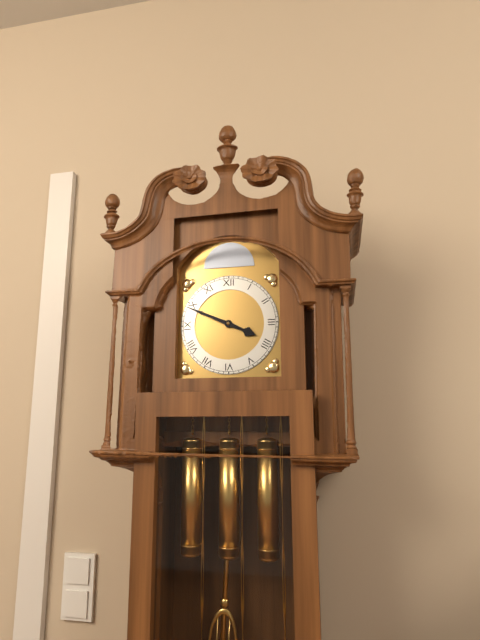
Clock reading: **3:49**
